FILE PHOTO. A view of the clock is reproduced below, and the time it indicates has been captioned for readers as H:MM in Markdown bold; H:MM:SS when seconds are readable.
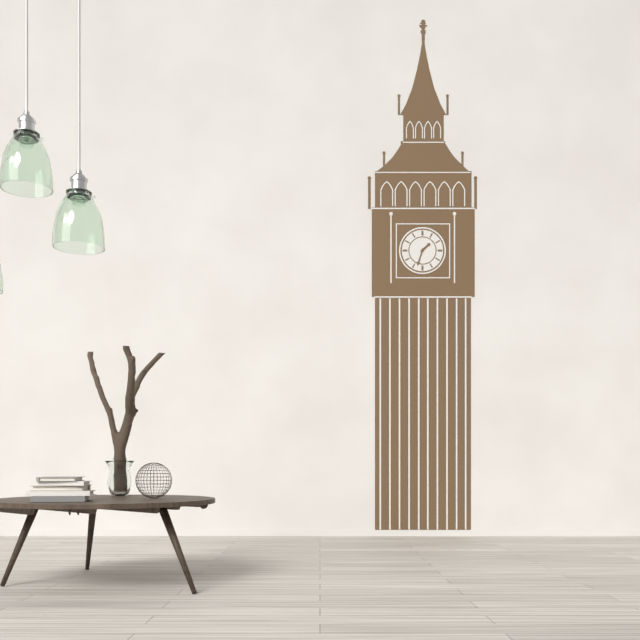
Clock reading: **1:33**
